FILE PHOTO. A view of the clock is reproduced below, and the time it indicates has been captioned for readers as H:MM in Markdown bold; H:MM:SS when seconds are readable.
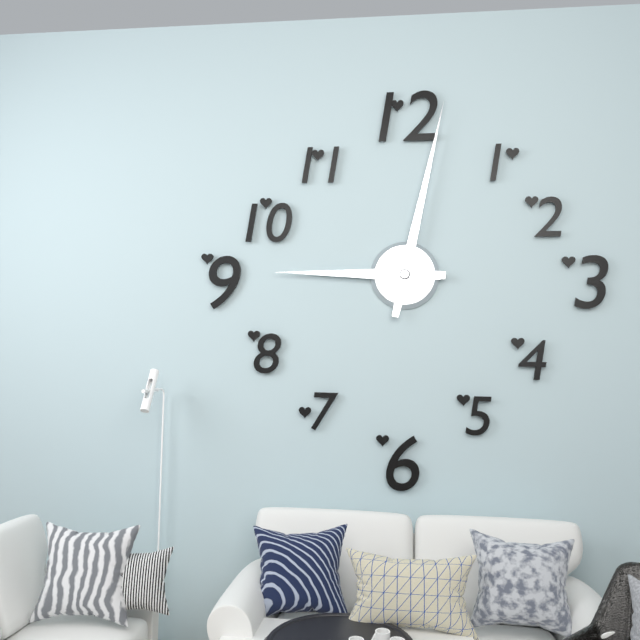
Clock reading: **9:02**
